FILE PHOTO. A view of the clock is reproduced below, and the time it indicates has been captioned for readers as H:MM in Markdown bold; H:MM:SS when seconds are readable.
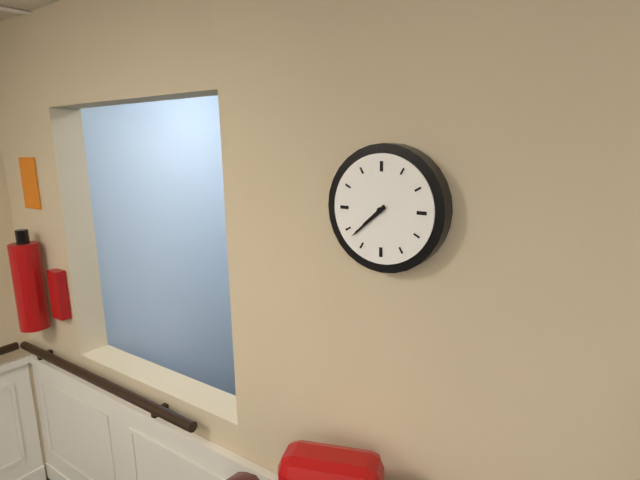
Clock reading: **7:38**
